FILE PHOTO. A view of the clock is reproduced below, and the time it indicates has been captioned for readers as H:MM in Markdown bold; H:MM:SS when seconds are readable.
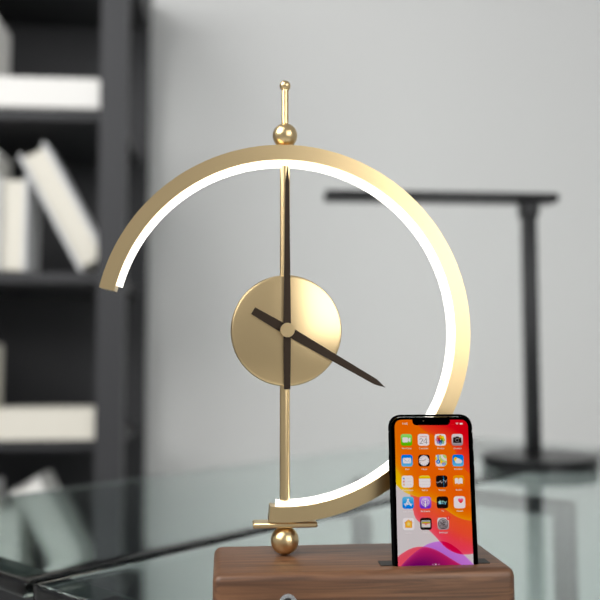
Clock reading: **4:00**
